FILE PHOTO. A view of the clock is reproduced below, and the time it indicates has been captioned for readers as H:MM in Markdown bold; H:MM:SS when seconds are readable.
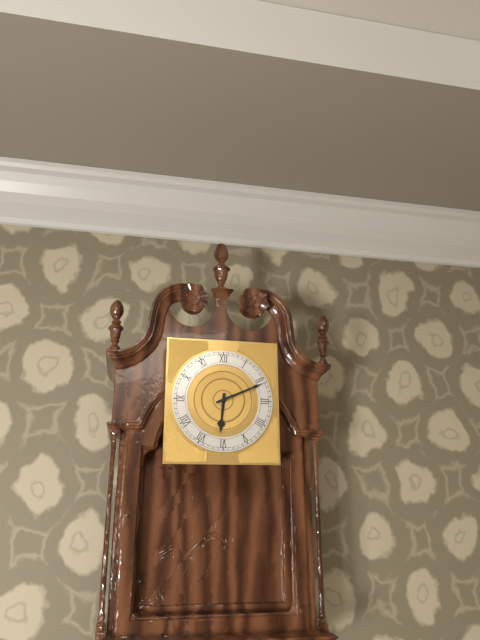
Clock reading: **6:11**
